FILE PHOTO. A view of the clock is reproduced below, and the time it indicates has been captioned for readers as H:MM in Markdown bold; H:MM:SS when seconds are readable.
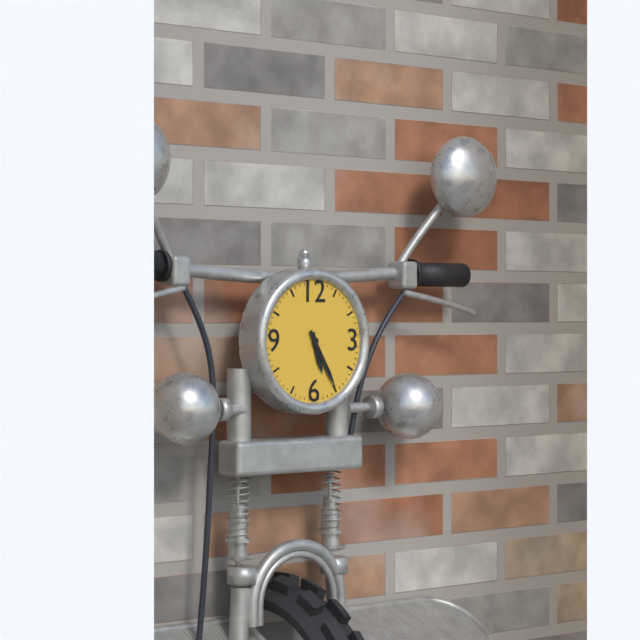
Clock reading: **5:25**
